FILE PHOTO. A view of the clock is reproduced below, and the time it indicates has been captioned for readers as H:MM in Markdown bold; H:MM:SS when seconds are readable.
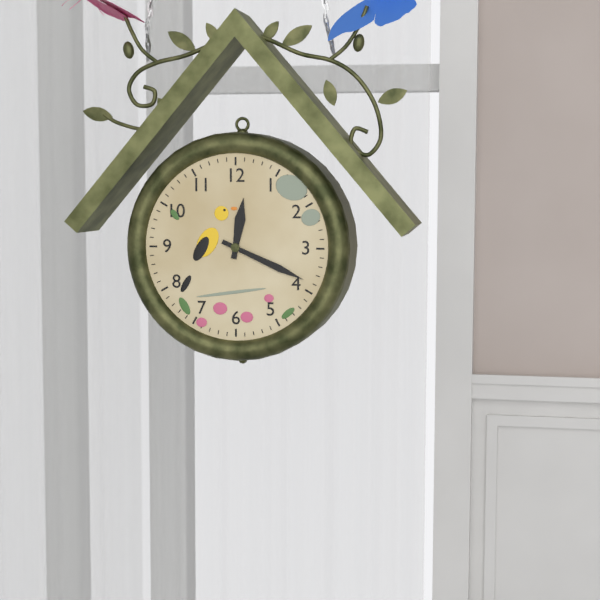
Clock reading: **12:19**
